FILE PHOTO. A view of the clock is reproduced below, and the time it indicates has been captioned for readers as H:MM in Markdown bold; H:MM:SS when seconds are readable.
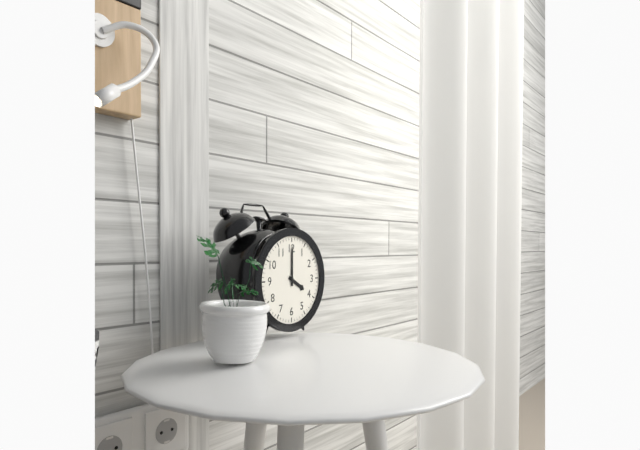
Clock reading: **4:00**
